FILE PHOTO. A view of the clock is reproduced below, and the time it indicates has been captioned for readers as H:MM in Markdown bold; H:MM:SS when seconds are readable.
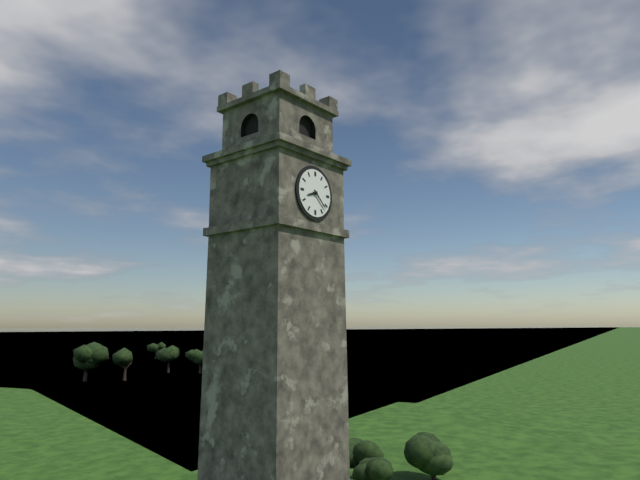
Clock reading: **8:22**
